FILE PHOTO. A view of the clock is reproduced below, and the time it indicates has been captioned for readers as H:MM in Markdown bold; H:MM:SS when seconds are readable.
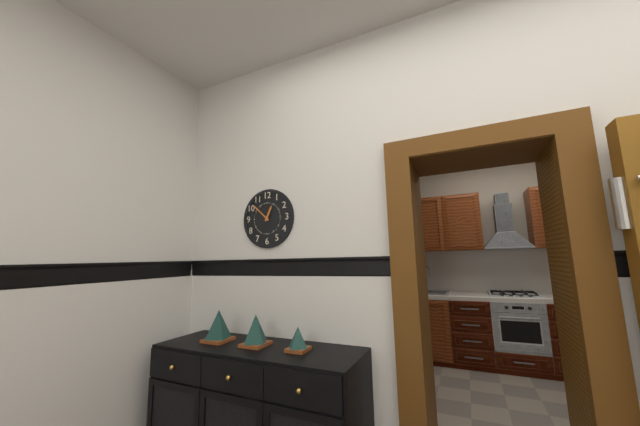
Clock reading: **12:52**
